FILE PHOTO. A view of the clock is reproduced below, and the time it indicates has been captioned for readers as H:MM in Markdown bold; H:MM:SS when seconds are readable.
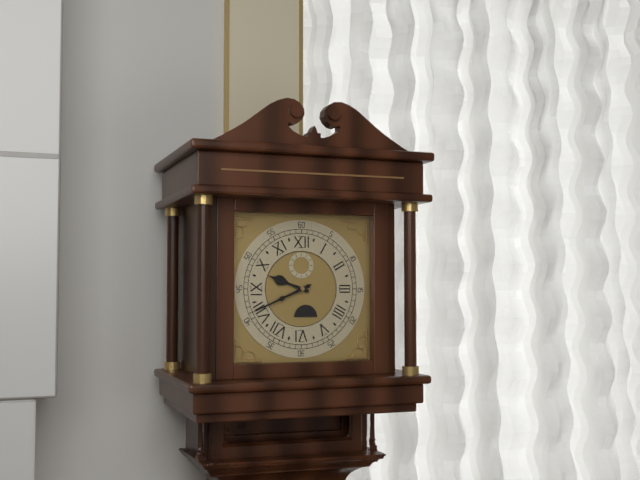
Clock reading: **9:41**
